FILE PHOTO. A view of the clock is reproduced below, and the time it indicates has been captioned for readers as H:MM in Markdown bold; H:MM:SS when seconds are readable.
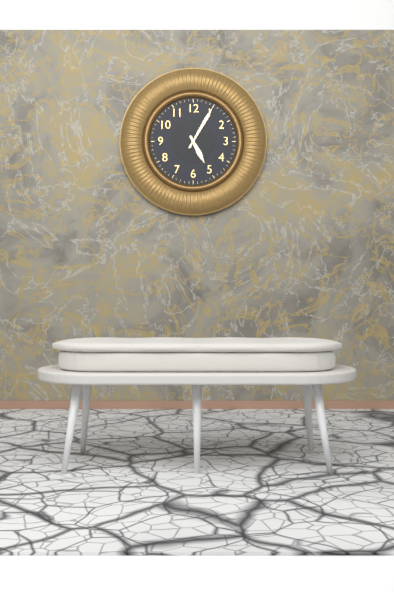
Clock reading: **5:05**
